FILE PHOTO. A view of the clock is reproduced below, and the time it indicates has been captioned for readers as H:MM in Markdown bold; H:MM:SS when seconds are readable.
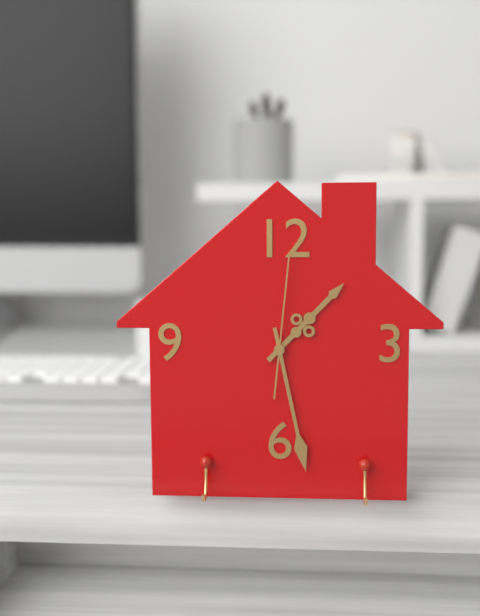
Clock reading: **1:28:01**
